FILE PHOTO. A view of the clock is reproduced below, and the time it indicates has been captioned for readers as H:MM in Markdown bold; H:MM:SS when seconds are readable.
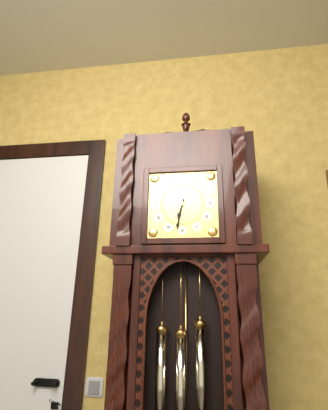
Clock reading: **6:32**
